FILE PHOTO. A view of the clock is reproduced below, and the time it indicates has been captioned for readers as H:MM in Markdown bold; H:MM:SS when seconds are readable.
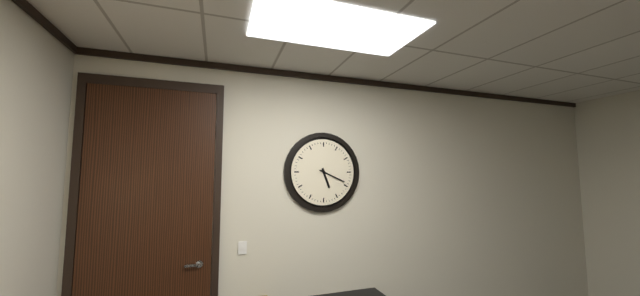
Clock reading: **5:19**
